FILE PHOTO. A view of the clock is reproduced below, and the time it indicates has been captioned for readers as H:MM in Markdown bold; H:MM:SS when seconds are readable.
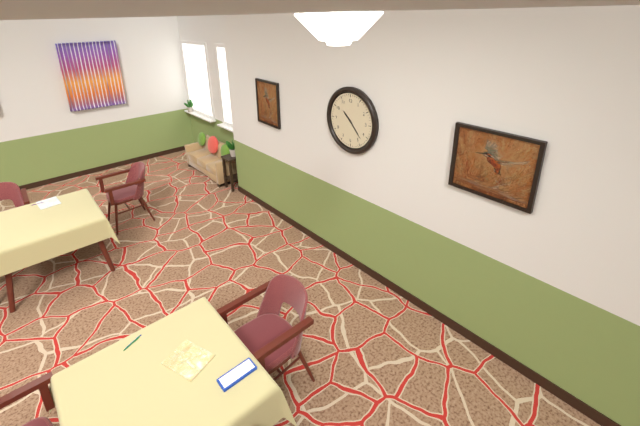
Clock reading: **10:23**
